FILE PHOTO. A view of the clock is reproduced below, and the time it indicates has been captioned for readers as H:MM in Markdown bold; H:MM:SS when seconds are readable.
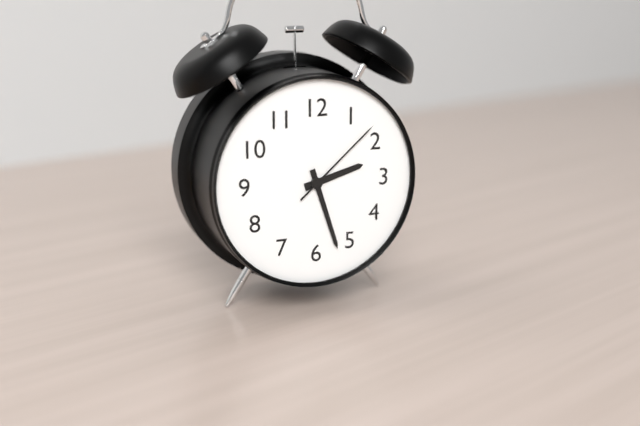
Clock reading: **2:27:08**
